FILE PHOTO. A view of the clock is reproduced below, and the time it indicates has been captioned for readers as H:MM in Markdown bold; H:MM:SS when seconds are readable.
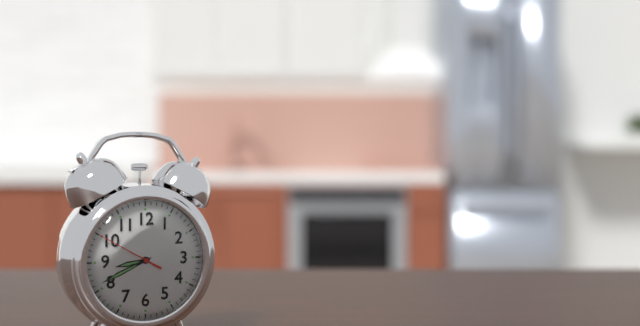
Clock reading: **8:41:50**
